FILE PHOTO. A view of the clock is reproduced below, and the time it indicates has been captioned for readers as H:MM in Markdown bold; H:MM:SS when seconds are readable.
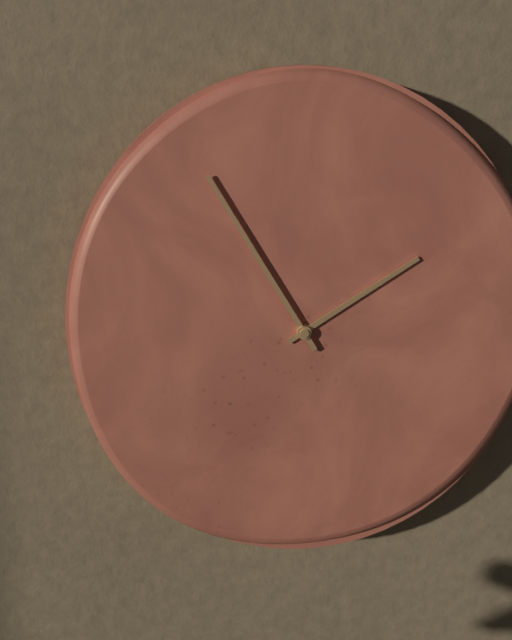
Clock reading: **1:55**
